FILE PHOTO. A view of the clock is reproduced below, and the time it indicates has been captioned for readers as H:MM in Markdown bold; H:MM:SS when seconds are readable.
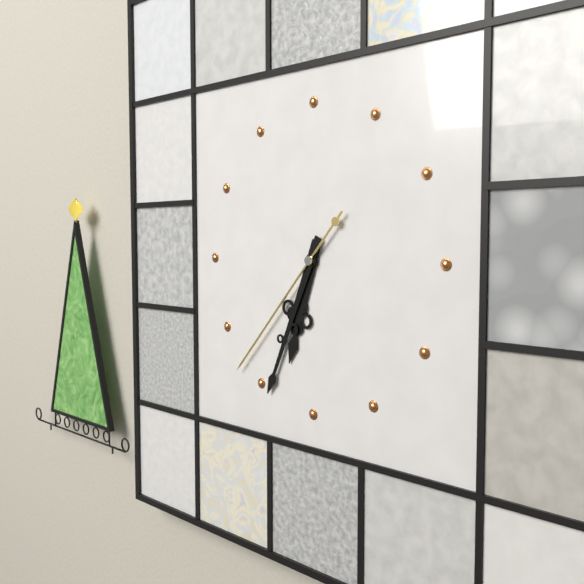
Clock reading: **6:34:37**
